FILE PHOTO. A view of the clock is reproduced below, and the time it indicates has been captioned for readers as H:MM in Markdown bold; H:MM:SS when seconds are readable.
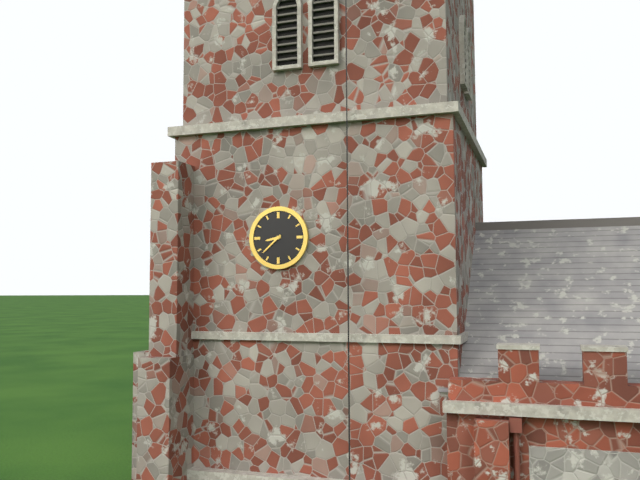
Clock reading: **8:38**
